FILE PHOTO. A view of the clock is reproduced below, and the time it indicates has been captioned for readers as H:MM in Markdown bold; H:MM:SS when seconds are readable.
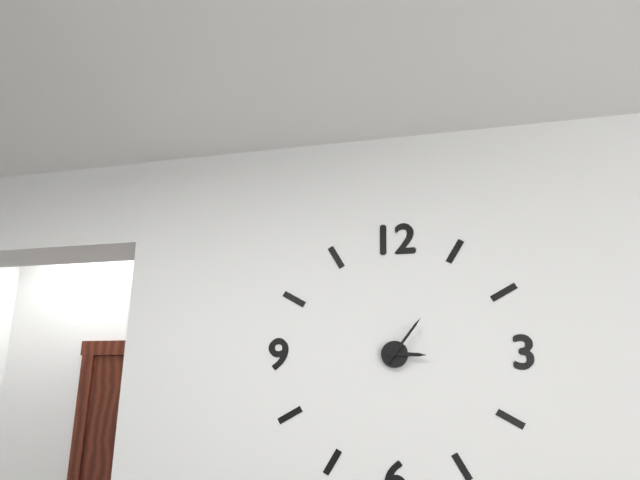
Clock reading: **3:06**
